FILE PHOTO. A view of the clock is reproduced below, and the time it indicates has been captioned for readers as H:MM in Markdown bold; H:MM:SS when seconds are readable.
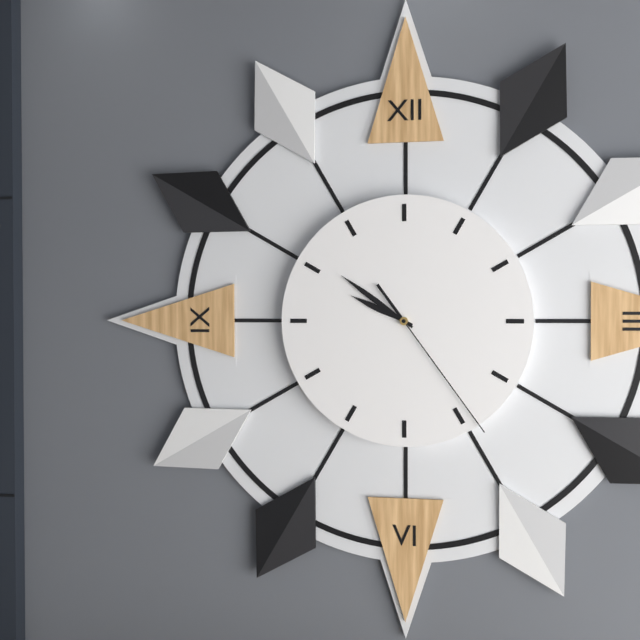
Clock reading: **9:51:24**
